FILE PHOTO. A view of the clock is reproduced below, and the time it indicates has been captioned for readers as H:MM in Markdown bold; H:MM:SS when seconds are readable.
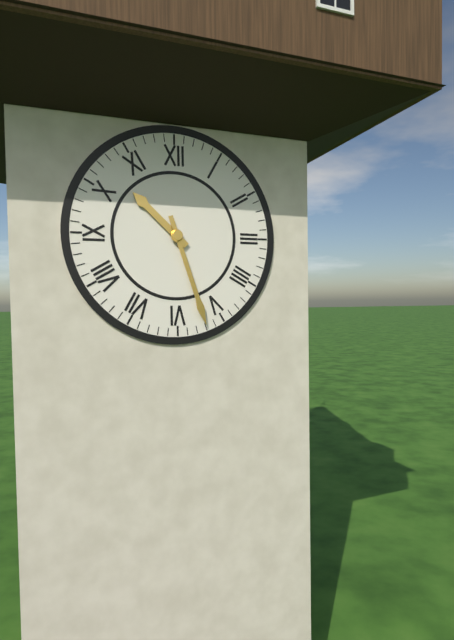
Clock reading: **10:27**
